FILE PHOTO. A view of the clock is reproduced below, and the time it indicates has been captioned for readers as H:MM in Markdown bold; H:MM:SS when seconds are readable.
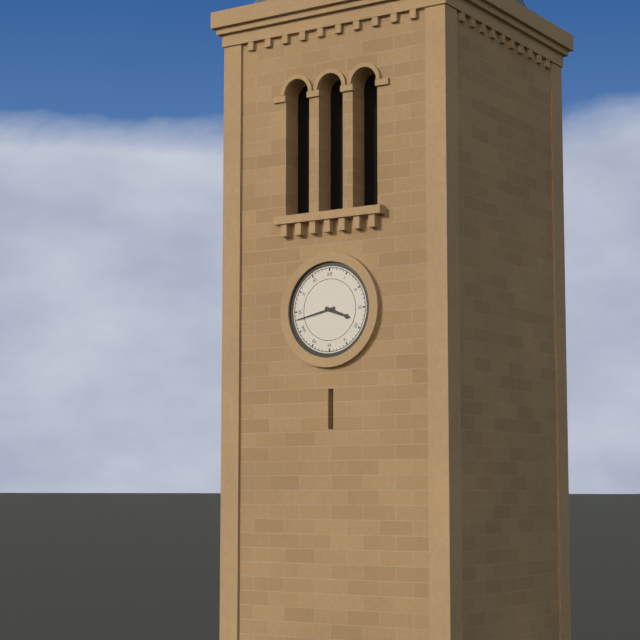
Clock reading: **3:43**
